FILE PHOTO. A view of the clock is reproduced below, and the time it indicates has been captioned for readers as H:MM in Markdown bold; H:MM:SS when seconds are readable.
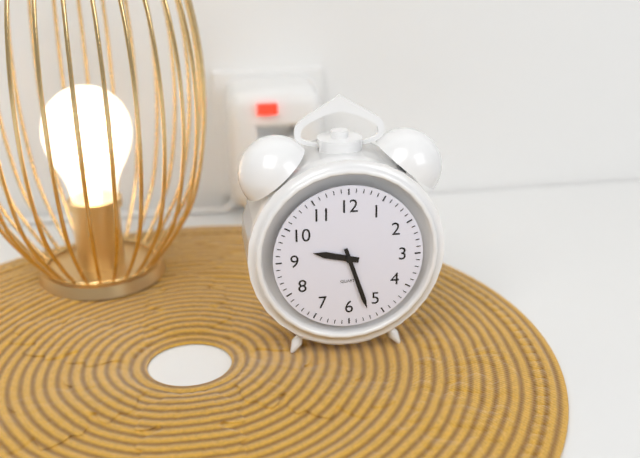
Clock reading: **9:27**
